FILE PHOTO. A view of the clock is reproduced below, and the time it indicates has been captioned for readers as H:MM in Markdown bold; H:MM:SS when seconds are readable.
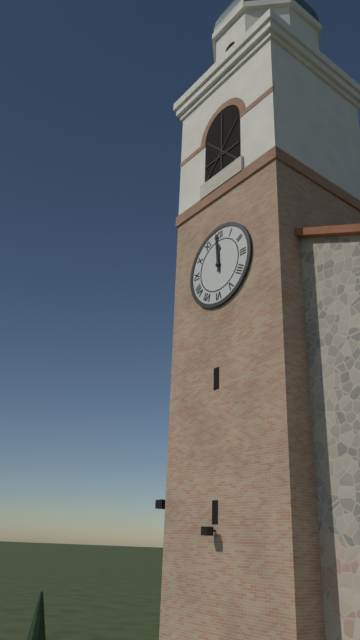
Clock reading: **11:59**
